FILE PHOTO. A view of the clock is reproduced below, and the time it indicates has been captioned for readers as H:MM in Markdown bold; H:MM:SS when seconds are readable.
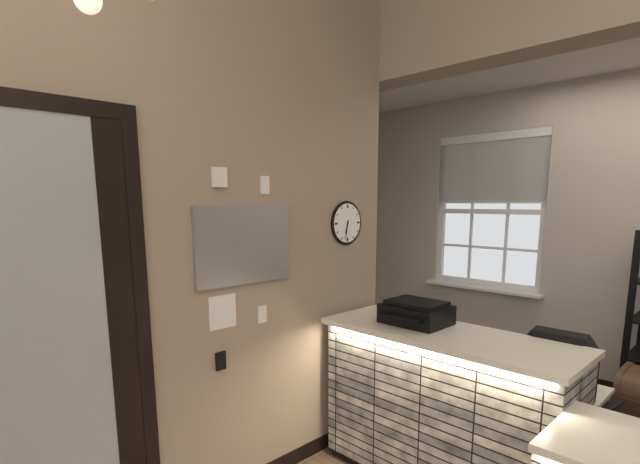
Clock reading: **6:32**
